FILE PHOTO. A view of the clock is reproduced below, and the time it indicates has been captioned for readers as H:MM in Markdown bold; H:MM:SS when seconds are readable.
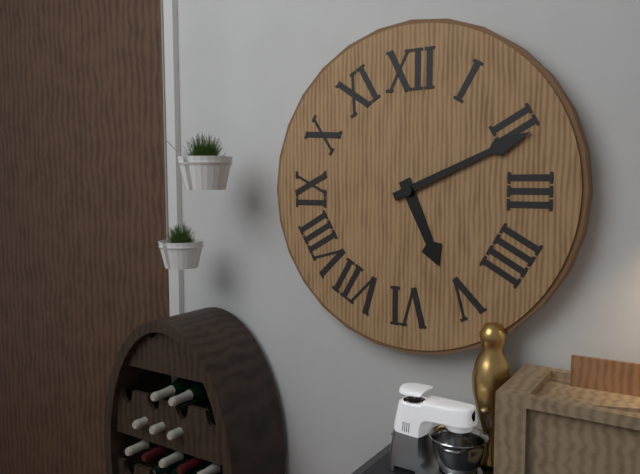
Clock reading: **5:11**
